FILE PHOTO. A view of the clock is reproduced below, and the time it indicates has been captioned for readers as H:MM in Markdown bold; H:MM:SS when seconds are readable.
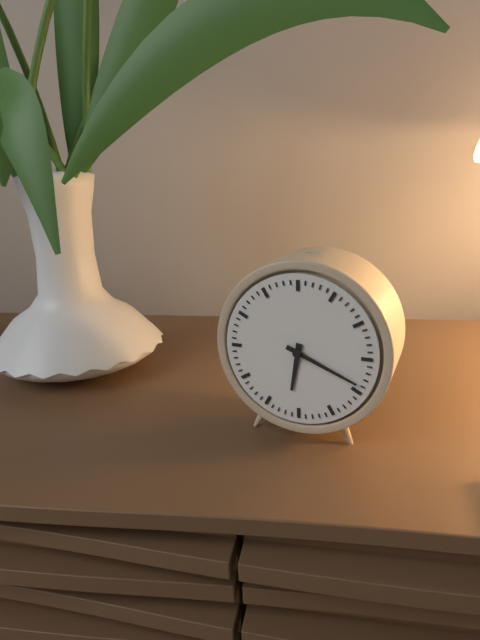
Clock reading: **6:19**
